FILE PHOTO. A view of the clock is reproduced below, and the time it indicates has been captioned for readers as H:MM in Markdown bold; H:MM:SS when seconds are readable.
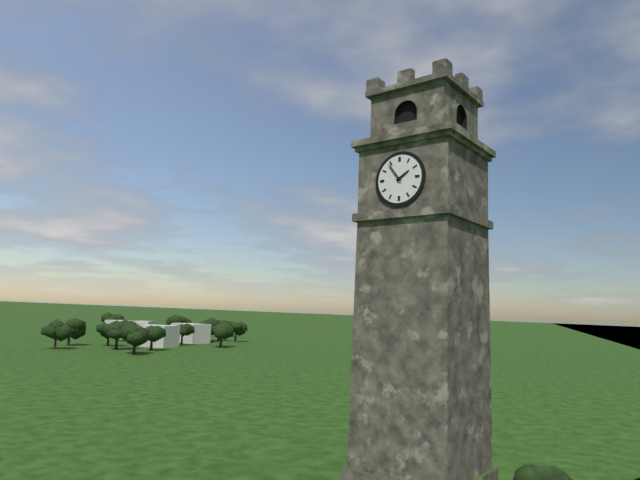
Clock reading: **1:54**
